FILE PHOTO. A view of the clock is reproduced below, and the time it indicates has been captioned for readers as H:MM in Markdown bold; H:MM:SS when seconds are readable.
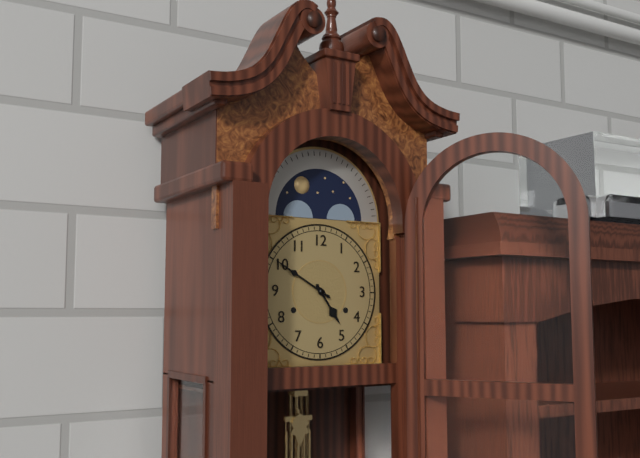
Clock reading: **4:50**
